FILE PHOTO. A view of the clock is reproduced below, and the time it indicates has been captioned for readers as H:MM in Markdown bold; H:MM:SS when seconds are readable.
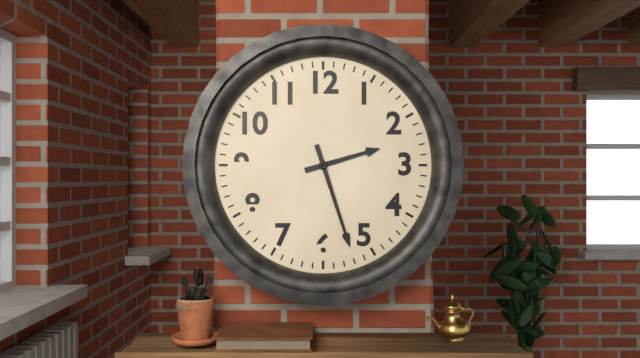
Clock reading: **2:27**
